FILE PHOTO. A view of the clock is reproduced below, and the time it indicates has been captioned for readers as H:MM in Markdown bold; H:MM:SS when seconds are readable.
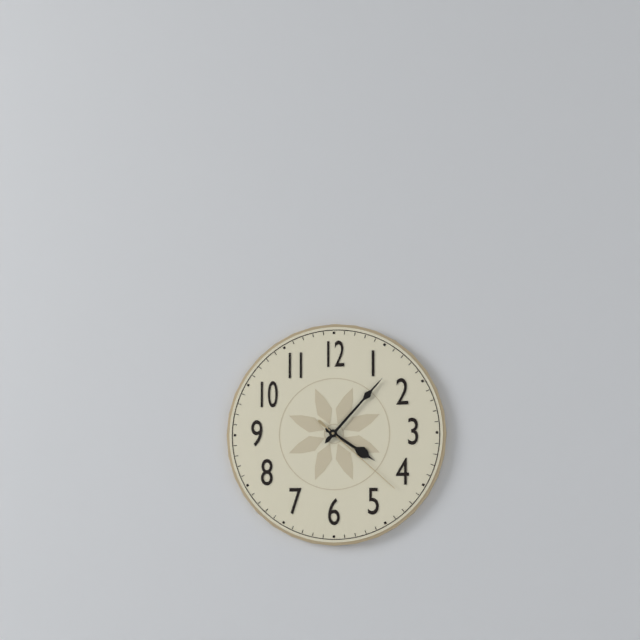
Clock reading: **4:07:22**
